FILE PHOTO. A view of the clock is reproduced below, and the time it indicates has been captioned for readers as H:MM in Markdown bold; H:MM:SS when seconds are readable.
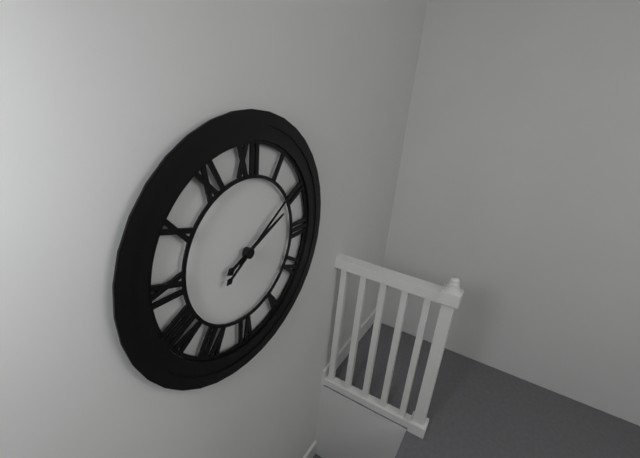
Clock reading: **2:09**
